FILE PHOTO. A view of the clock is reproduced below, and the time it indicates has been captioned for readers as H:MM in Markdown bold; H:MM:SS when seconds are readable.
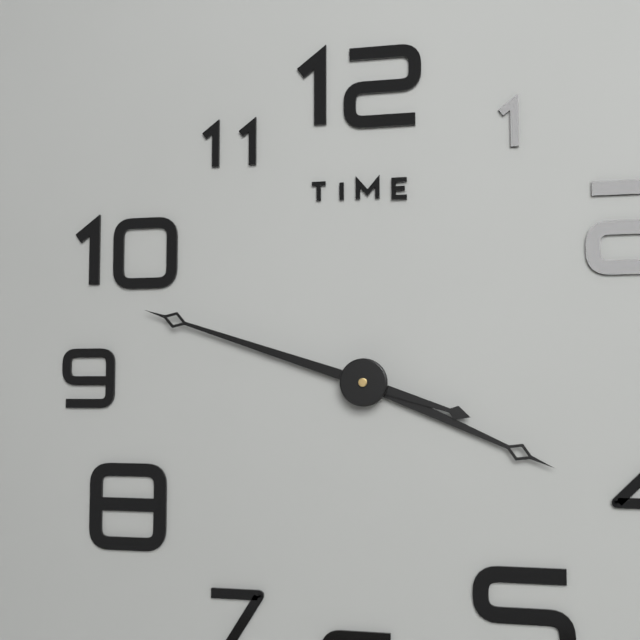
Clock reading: **3:48**
